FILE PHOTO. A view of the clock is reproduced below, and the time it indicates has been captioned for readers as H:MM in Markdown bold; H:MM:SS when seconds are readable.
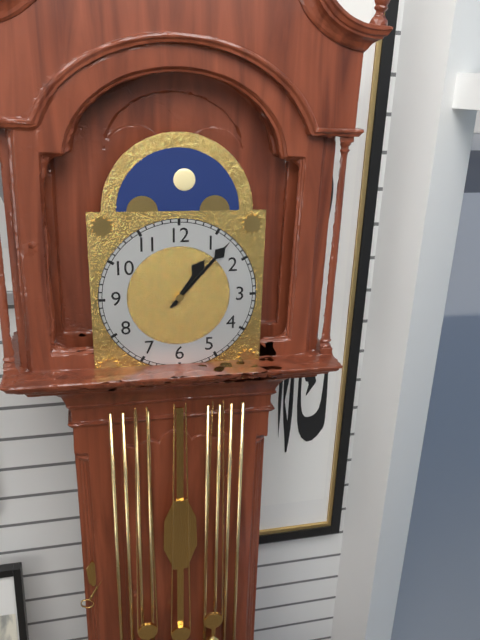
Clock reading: **1:07**
